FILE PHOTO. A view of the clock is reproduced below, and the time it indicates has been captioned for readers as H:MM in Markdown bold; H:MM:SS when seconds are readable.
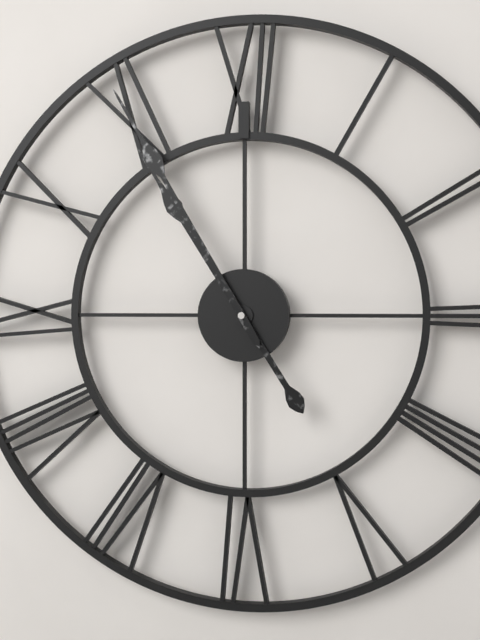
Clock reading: **10:55**
